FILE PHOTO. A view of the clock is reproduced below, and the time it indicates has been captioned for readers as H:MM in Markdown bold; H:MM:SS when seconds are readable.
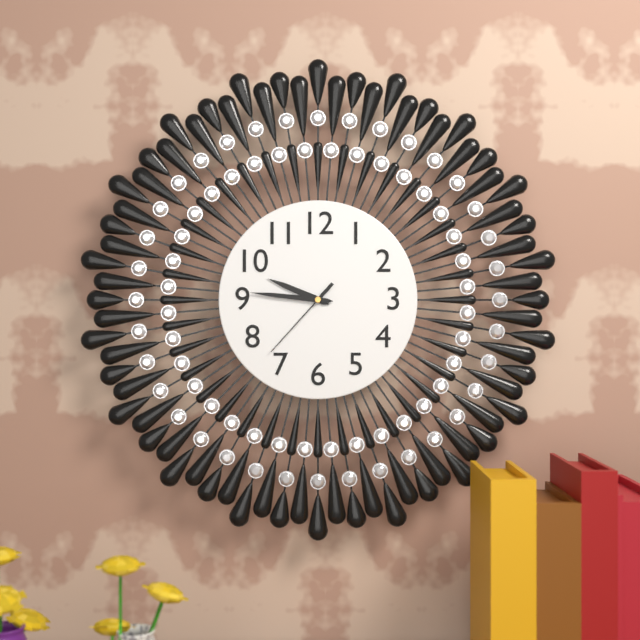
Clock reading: **9:46:37**
